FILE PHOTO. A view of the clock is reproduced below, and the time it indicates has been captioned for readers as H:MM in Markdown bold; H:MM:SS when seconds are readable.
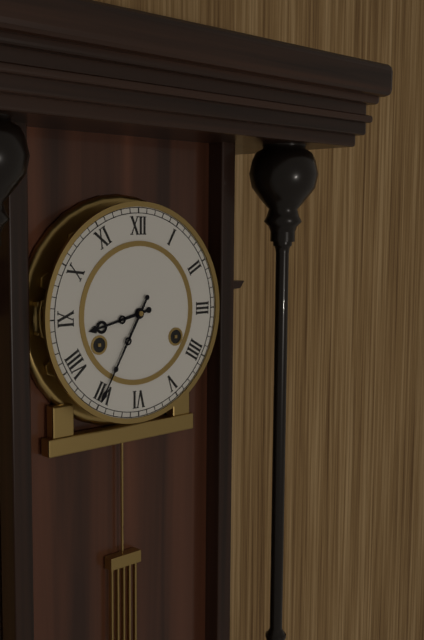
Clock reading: **8:35**
